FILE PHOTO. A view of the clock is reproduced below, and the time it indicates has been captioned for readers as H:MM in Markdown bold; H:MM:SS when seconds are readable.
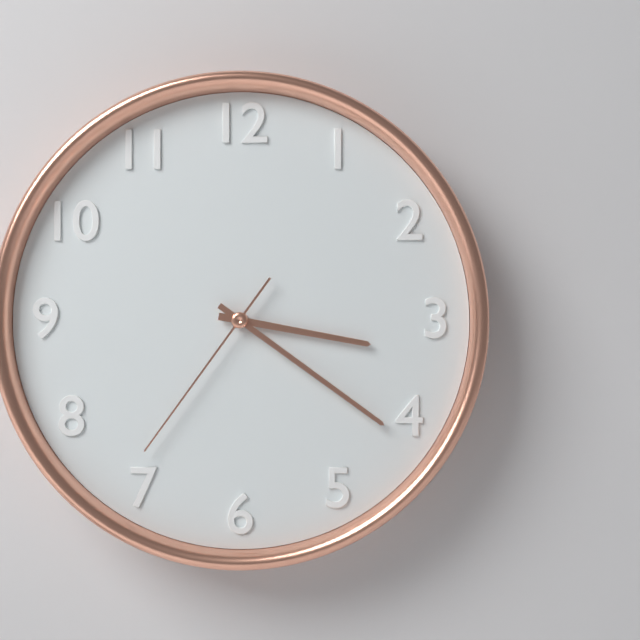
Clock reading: **3:21:36**
